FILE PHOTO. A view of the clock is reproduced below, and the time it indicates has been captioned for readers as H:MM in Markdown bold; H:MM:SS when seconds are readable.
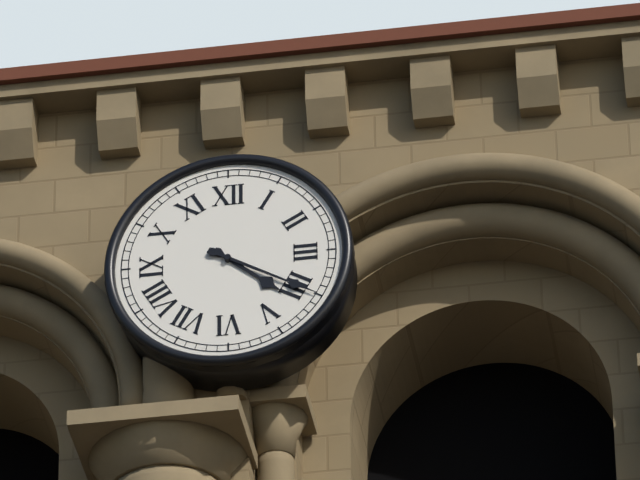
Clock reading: **4:20**
